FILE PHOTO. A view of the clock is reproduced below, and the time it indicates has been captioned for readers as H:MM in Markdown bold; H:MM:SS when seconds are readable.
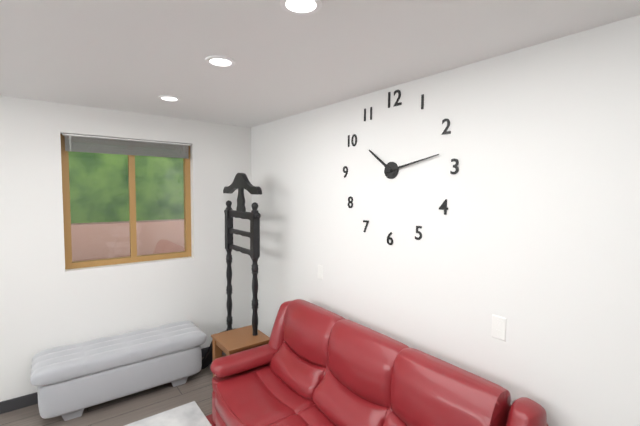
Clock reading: **10:13**
